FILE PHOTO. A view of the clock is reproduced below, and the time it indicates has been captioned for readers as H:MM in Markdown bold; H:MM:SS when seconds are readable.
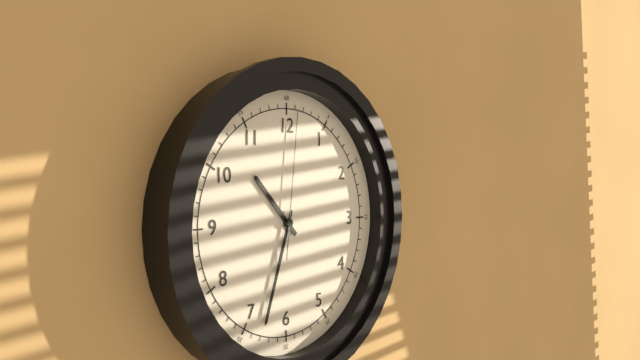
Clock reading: **10:33:01**
